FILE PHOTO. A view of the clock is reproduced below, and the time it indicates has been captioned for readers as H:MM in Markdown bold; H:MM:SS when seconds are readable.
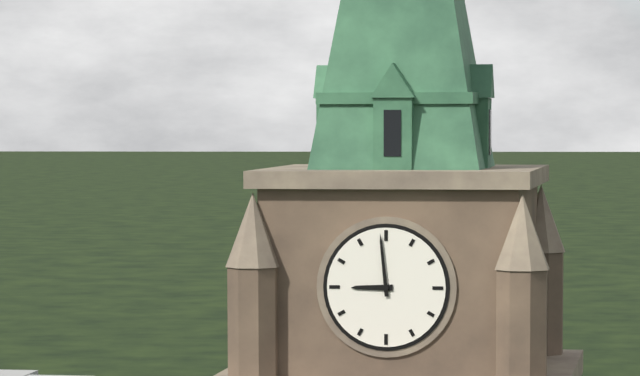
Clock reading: **8:59**
